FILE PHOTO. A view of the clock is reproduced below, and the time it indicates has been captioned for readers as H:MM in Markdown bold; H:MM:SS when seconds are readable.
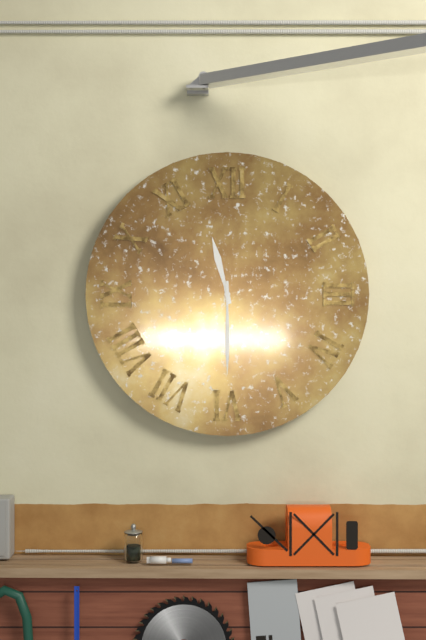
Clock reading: **11:30**
